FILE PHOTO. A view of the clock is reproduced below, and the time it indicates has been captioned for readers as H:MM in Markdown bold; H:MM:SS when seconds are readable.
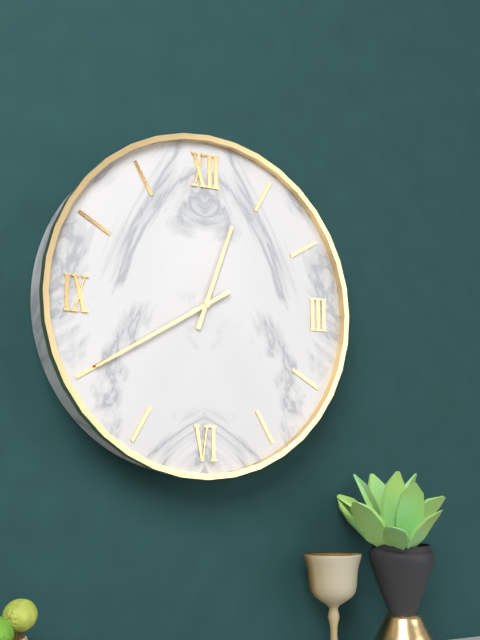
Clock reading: **12:40**
